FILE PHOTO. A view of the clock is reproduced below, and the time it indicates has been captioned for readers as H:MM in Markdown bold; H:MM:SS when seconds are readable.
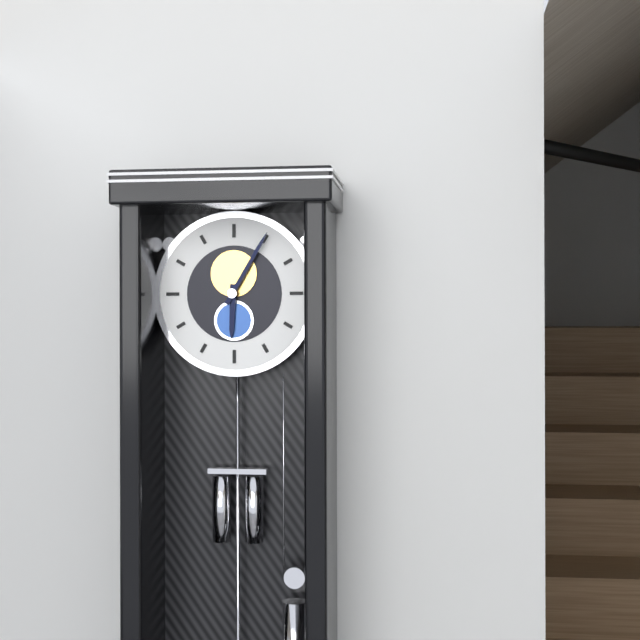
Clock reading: **6:05**
